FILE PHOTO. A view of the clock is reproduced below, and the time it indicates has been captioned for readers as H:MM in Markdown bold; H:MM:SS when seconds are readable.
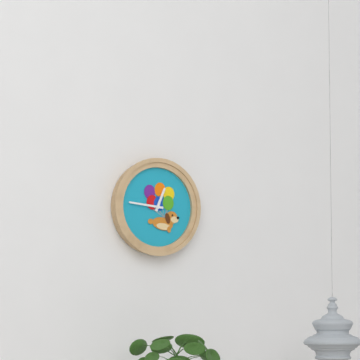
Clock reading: **12:46**
